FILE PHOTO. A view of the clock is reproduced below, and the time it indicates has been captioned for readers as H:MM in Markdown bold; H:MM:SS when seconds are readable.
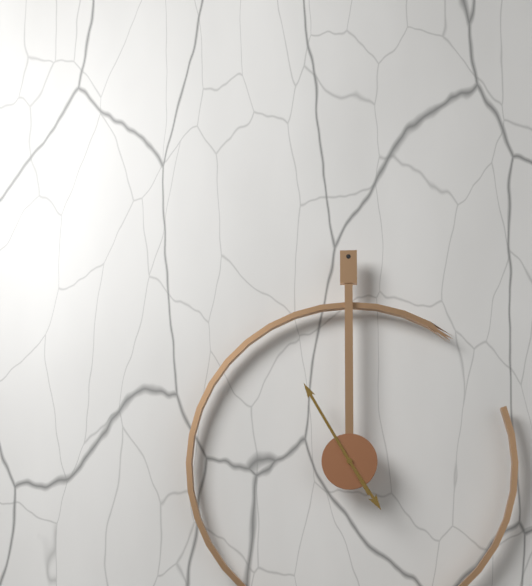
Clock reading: **4:55**
